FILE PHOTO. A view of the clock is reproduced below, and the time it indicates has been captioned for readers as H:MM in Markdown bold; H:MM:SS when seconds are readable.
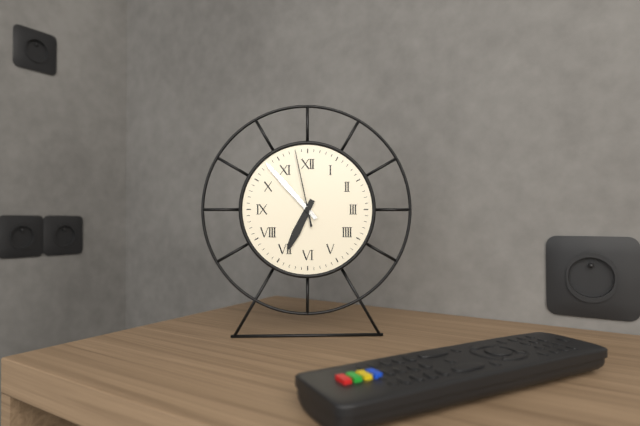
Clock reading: **6:53:58**
